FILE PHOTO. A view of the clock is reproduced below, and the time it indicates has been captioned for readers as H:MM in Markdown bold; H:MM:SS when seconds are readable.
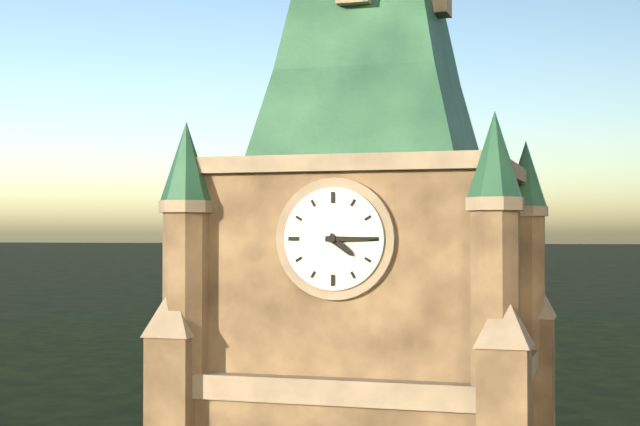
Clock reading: **4:15**
